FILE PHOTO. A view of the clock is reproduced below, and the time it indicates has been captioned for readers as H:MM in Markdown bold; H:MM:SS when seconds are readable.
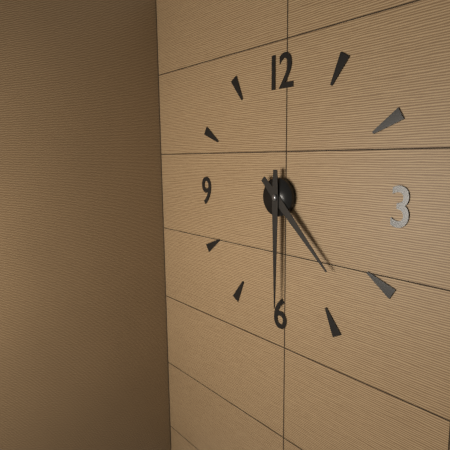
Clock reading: **4:30**
